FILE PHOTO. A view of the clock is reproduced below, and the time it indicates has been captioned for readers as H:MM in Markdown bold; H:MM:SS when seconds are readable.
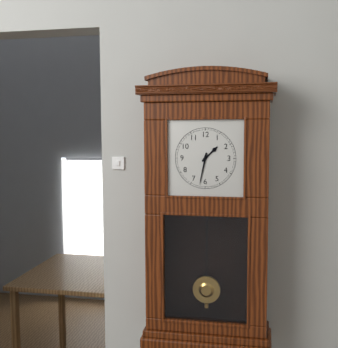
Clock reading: **1:32**
